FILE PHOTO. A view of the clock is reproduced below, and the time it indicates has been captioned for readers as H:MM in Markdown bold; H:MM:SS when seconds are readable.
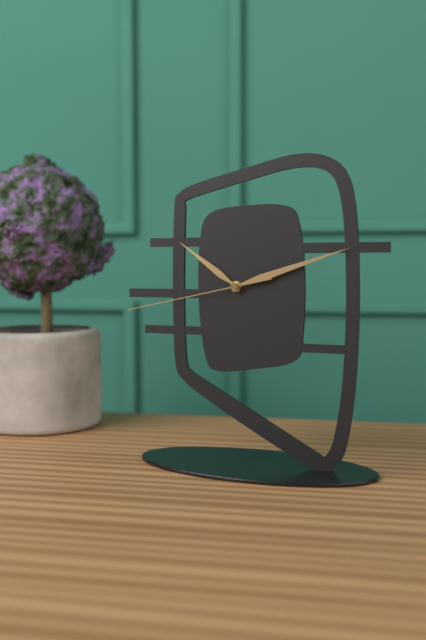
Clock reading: **10:12:43**
